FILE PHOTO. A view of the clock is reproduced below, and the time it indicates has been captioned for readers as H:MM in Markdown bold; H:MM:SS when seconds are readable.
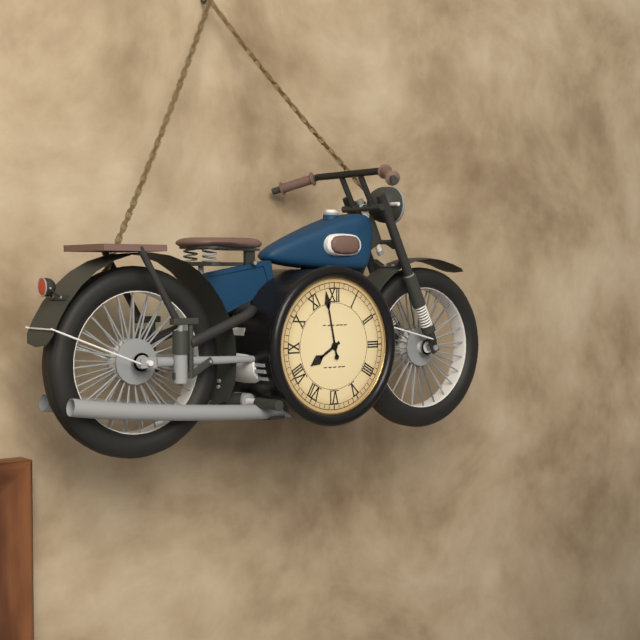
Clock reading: **7:58**
